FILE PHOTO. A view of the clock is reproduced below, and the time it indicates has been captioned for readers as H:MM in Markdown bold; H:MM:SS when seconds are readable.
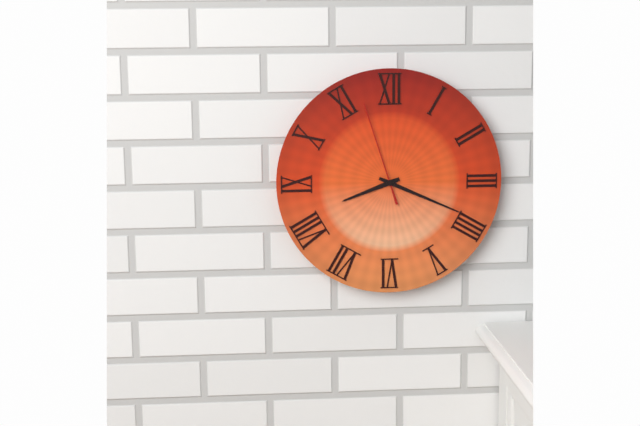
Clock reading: **8:19:57**
